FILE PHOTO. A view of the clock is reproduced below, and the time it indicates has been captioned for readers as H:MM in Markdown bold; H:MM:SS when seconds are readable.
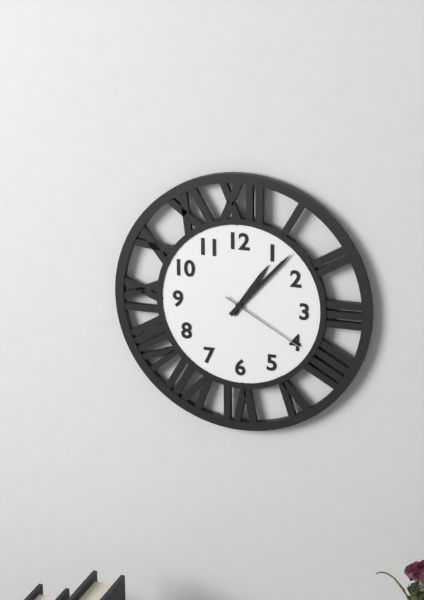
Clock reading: **1:07:20**
